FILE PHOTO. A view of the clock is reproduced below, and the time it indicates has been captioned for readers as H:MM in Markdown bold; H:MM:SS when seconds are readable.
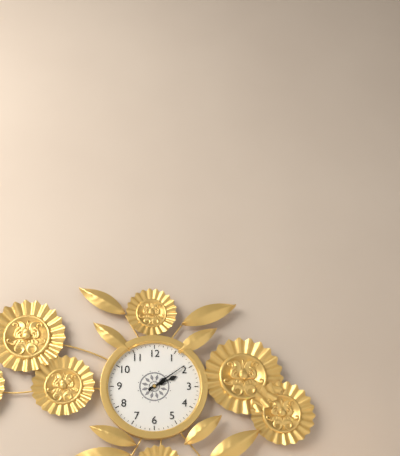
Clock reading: **2:09**
